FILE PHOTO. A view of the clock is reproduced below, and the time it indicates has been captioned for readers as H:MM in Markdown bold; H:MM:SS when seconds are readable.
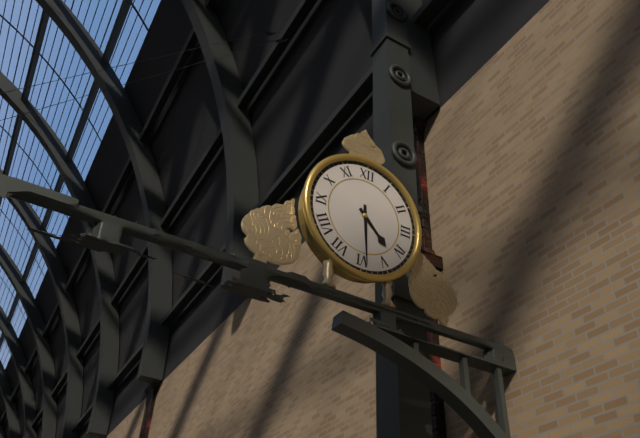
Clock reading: **4:29**
